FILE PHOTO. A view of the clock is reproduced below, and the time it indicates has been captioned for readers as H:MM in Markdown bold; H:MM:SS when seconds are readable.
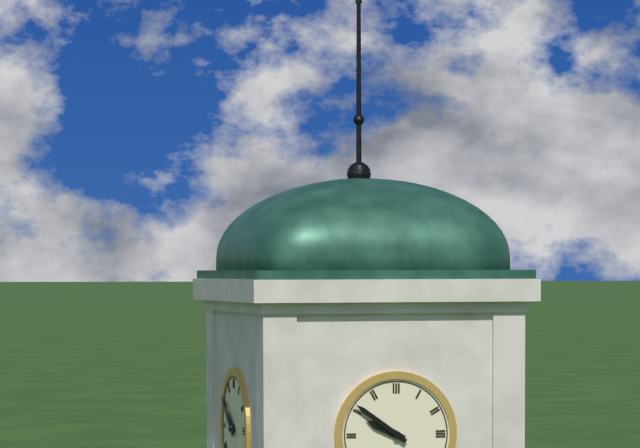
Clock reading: **9:51**
